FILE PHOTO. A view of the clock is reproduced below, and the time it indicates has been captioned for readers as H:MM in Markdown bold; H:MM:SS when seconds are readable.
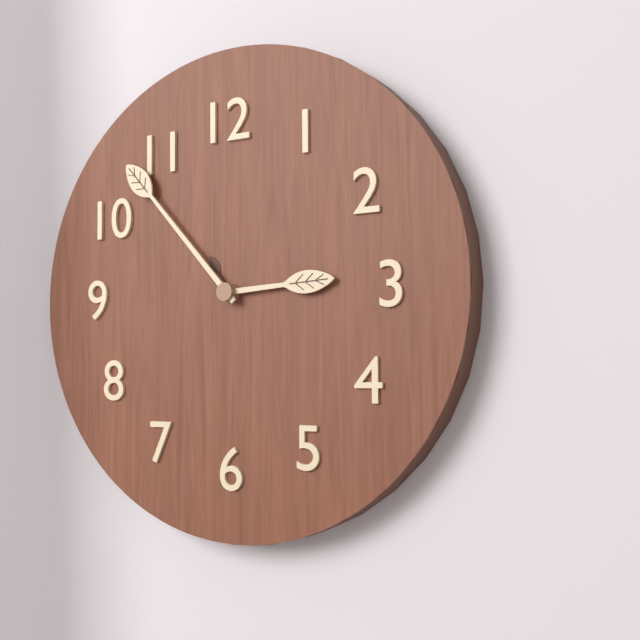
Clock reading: **2:53**
